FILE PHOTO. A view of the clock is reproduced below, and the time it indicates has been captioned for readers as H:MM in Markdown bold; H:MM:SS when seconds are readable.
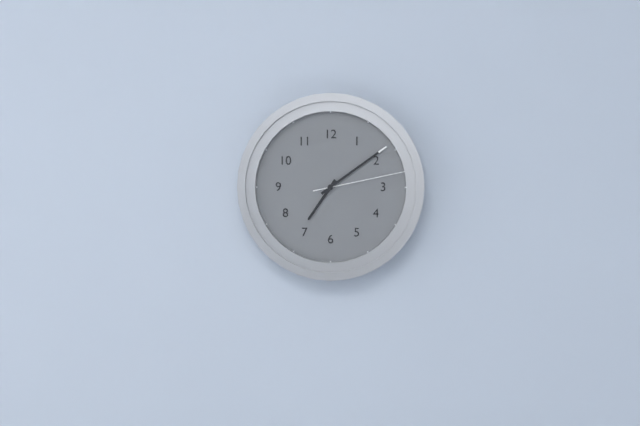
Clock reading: **7:09:13**
